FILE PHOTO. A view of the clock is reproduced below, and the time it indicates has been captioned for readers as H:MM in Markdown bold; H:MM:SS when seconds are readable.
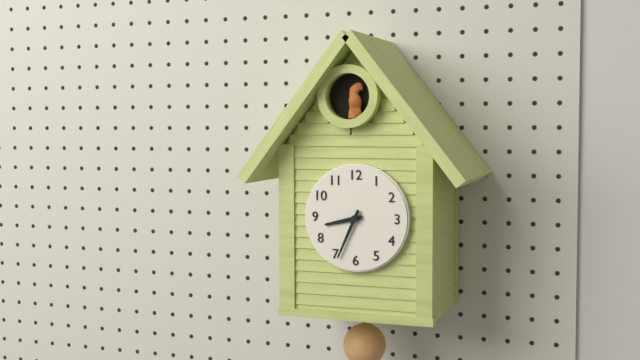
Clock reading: **8:34**
